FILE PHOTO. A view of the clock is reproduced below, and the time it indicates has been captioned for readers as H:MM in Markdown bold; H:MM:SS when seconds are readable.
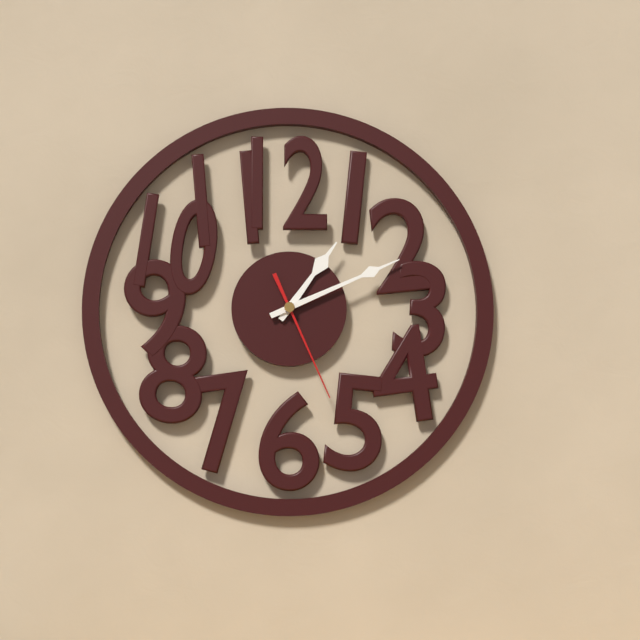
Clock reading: **1:11:26**
